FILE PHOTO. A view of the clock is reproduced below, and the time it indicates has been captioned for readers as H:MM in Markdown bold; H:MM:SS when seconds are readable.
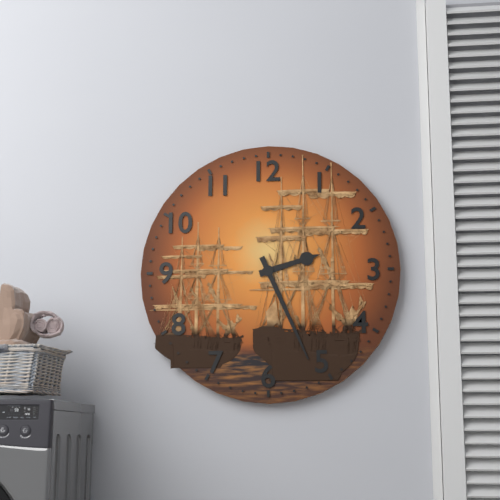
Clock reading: **2:26**
